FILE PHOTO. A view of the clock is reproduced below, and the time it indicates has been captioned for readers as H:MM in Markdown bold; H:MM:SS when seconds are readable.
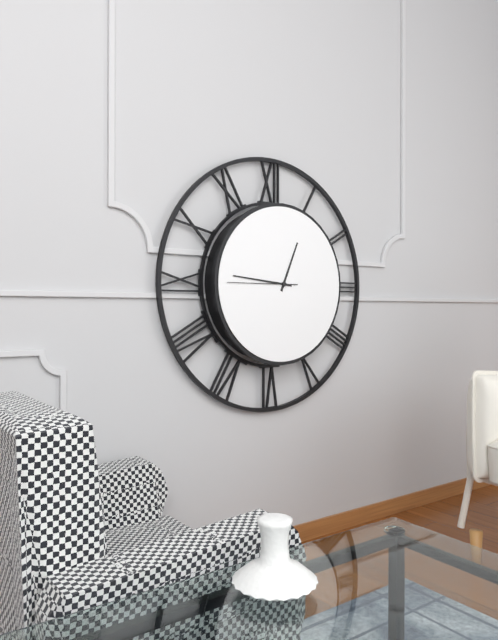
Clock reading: **12:46:45**
